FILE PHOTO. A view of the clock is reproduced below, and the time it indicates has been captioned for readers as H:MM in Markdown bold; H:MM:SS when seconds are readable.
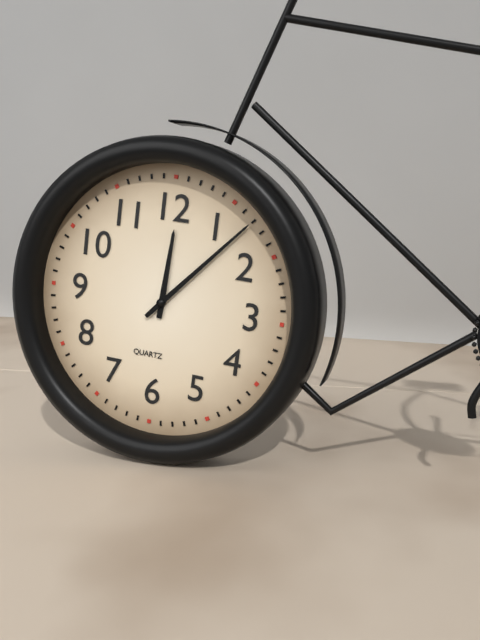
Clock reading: **12:07**
